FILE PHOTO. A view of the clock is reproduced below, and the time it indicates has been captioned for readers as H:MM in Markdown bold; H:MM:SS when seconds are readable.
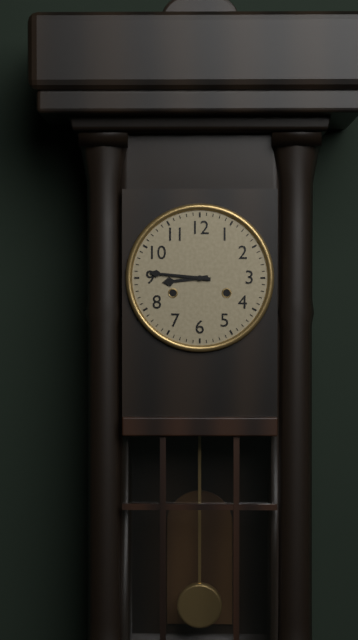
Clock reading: **8:46**
